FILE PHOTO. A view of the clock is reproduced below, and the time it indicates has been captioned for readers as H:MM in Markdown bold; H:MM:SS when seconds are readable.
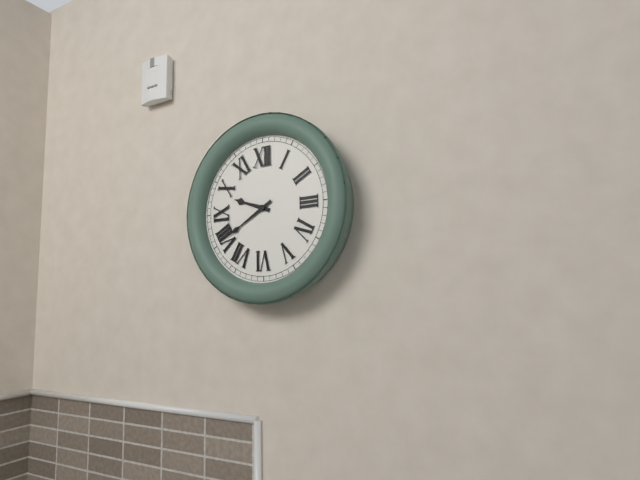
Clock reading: **9:40**
